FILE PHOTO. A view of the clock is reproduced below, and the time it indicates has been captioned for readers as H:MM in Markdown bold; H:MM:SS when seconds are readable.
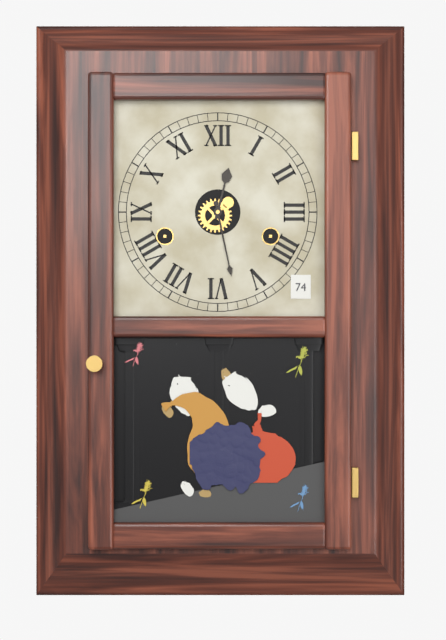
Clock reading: **12:28**
